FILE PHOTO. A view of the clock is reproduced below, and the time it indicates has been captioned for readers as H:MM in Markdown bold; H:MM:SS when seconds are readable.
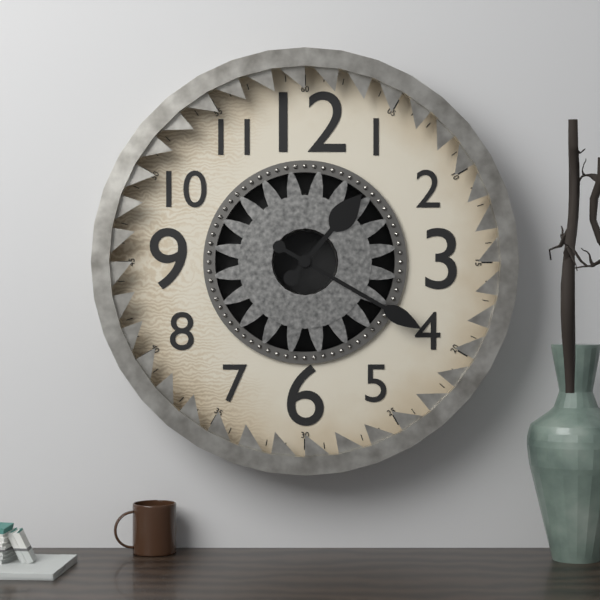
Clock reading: **1:20**
